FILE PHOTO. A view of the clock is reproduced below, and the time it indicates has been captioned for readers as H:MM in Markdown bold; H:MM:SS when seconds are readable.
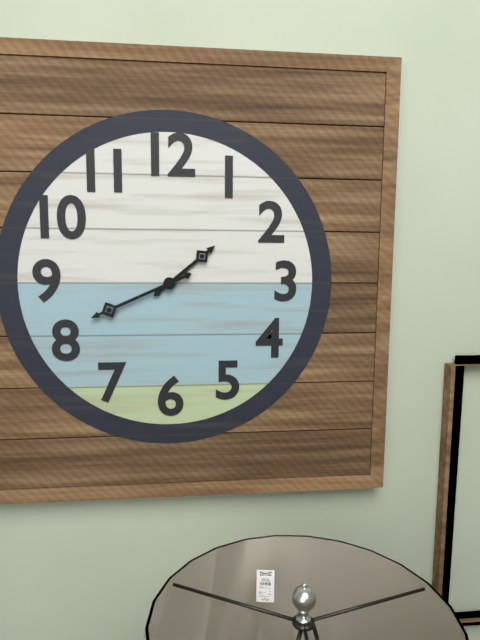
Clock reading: **1:41**
